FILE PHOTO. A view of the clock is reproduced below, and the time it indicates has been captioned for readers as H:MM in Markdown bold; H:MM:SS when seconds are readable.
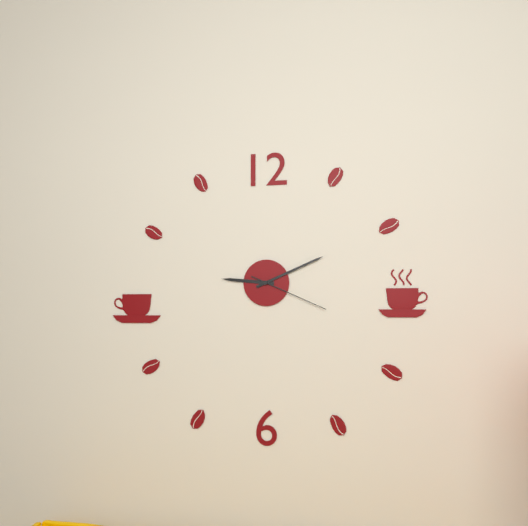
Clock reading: **9:11:19**
